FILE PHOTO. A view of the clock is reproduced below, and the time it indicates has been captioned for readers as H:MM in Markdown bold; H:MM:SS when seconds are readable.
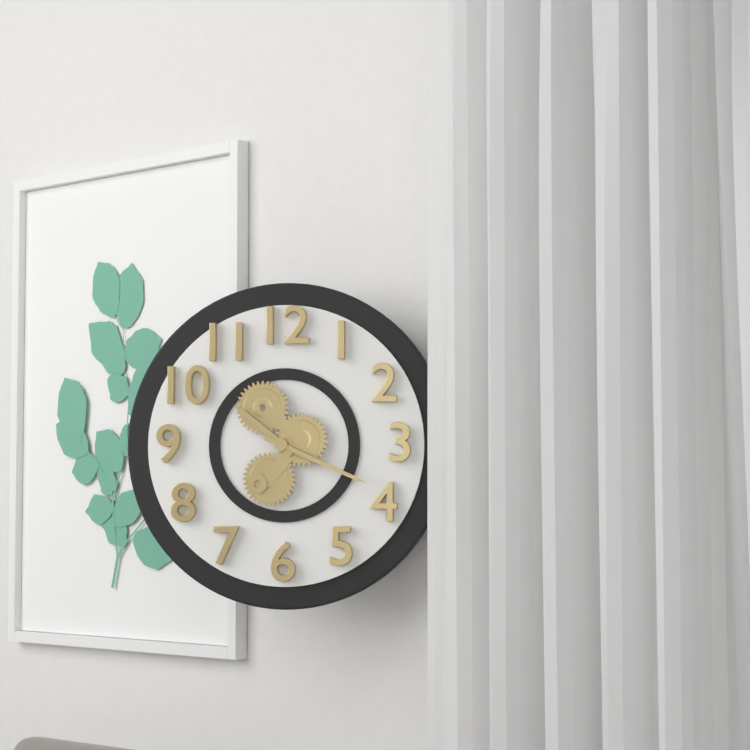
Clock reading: **10:19**
